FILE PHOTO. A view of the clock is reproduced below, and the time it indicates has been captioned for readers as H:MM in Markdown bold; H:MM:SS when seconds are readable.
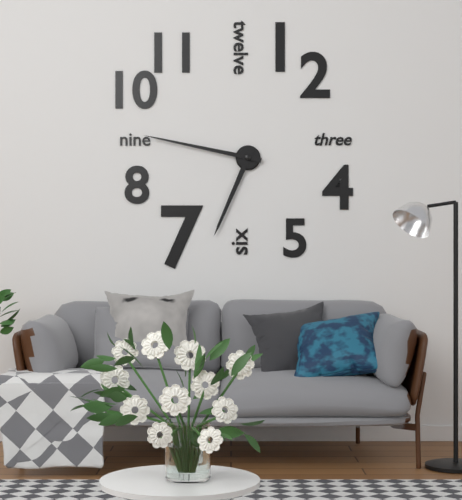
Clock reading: **6:47**
